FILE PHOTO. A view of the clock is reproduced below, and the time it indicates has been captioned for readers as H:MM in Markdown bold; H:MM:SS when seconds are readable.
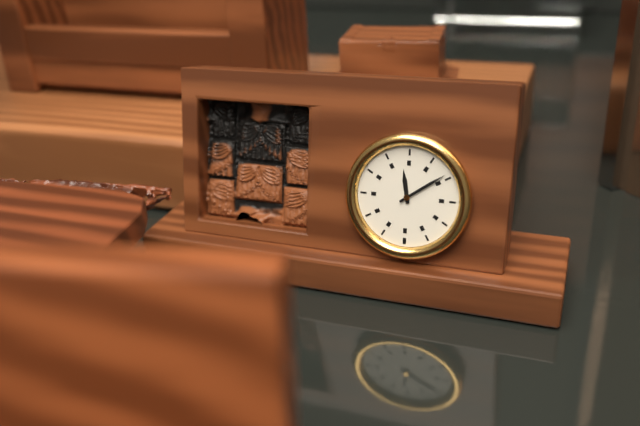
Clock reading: **5:39**
